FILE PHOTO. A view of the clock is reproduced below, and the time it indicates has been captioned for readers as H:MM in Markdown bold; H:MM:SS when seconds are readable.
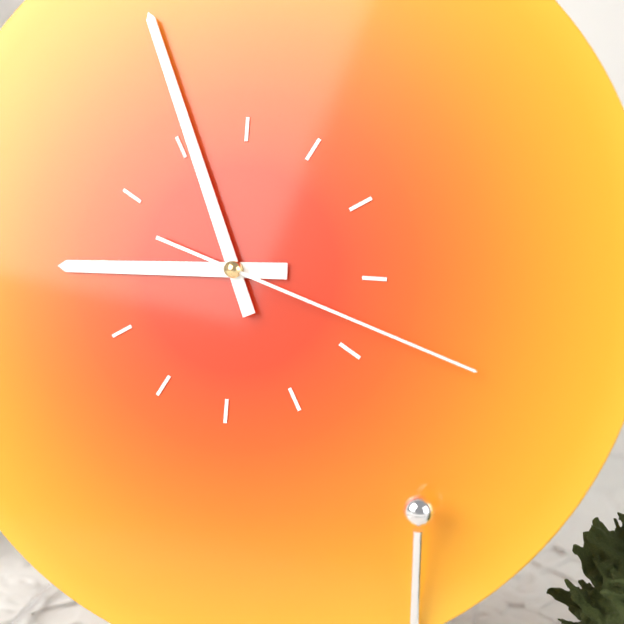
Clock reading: **8:56:18**
